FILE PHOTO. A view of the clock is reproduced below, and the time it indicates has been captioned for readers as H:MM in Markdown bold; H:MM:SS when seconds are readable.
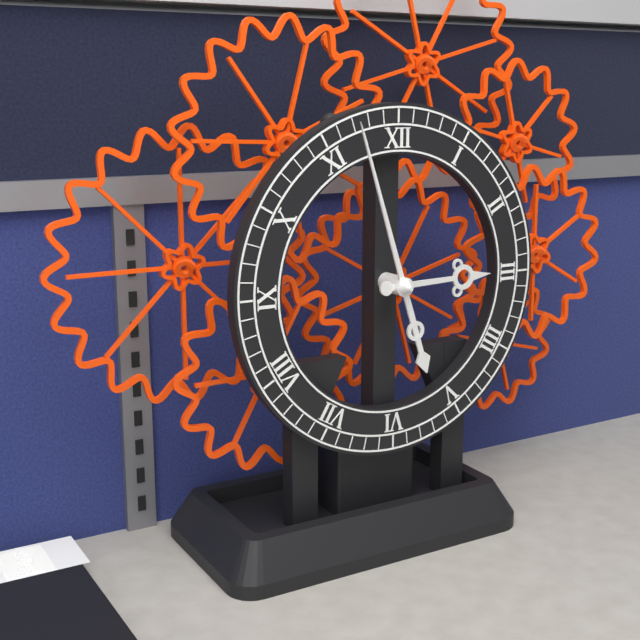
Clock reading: **2:57**
